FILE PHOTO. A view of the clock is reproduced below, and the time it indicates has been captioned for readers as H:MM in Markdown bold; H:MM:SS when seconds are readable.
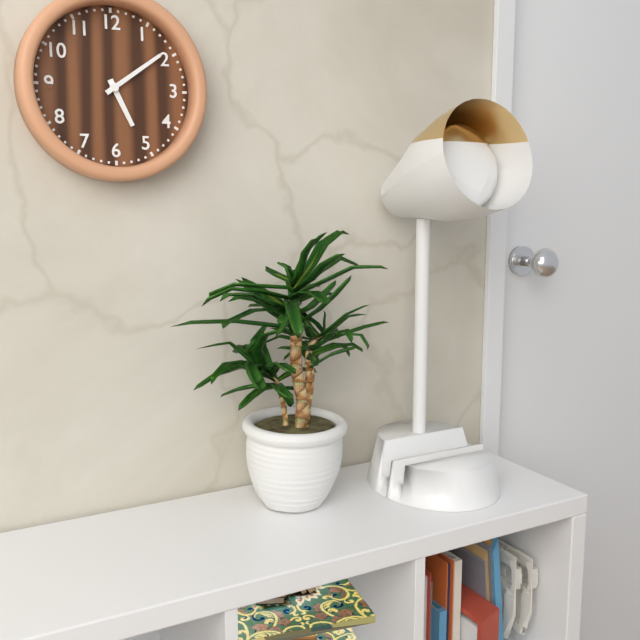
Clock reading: **5:09**
